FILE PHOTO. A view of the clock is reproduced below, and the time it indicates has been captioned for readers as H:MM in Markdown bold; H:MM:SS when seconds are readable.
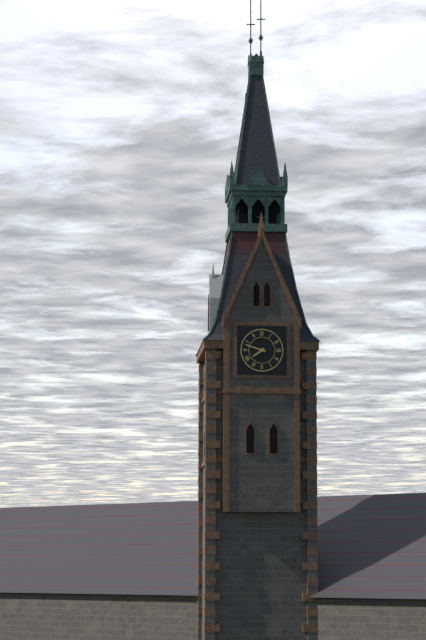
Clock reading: **7:48**
